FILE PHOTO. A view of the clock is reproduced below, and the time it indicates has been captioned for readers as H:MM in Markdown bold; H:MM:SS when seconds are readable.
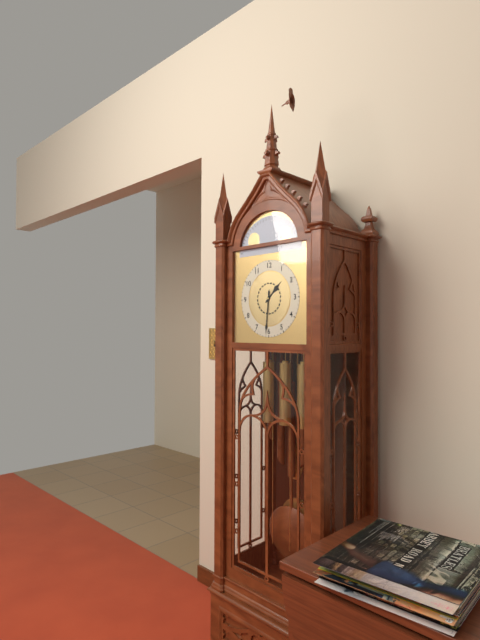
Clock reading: **1:31**
